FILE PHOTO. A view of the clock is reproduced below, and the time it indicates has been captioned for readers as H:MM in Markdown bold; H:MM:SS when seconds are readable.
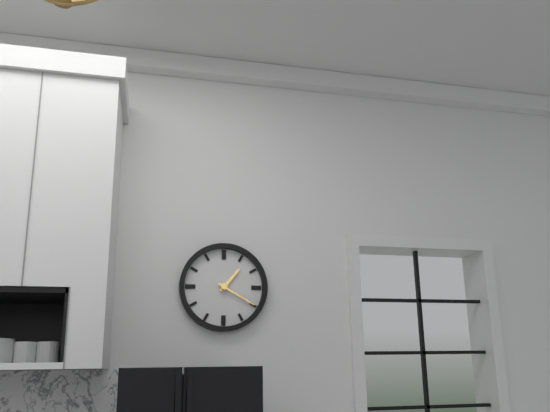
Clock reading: **1:20**
